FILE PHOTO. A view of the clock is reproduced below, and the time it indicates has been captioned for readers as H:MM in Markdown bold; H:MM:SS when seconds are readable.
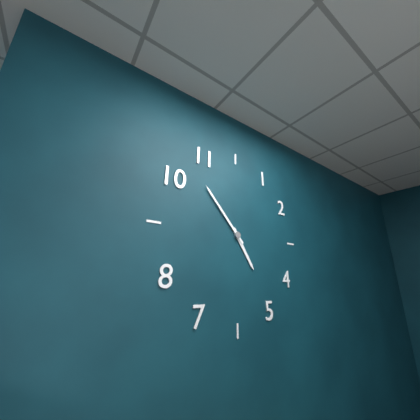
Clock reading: **4:53**
